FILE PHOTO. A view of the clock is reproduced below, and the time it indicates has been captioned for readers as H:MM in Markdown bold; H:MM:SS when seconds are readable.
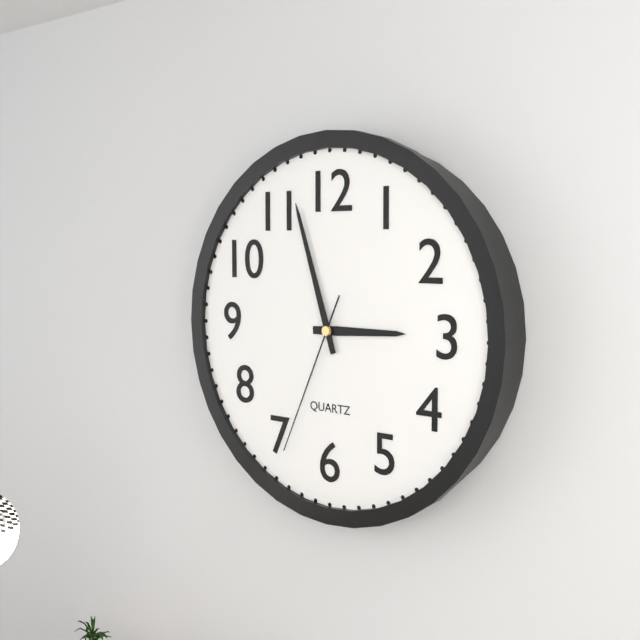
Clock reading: **2:57:34**
